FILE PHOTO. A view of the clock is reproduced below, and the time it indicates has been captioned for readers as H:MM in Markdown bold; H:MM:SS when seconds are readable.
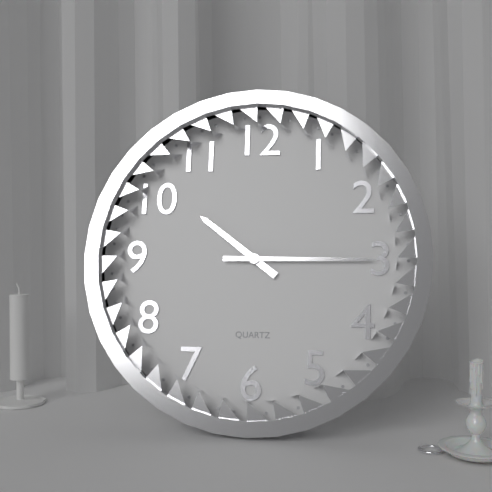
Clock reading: **10:15**
